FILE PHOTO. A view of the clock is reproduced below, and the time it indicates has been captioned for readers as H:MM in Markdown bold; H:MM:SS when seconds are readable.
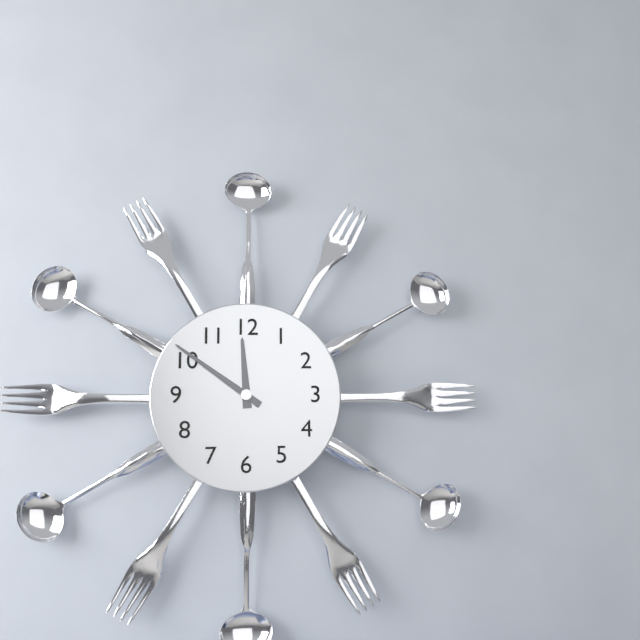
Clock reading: **11:51**
